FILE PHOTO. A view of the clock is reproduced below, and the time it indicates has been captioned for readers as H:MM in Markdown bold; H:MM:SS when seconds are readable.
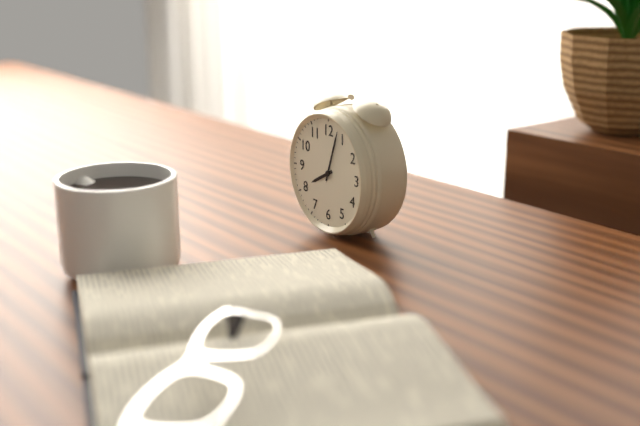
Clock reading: **8:03**
